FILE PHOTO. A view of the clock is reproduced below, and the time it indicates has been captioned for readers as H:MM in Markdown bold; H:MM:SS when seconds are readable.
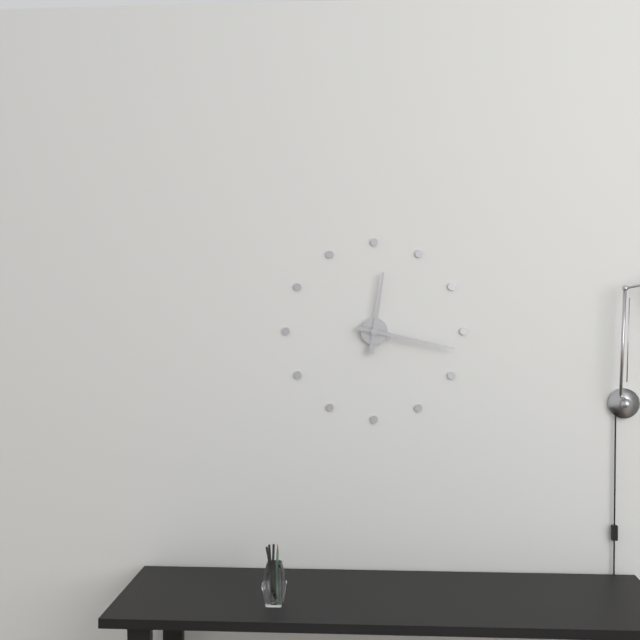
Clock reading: **12:17**
